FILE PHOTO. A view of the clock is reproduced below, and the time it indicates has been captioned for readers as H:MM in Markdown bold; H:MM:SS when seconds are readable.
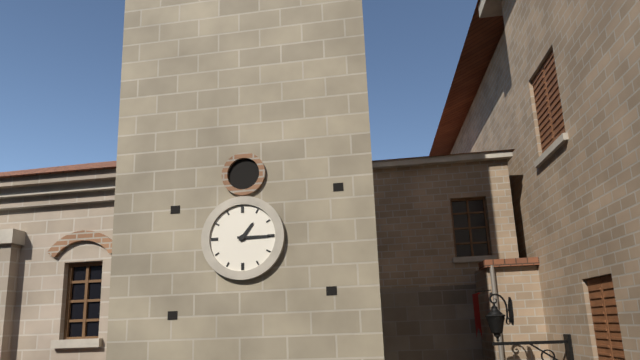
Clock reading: **1:15**
